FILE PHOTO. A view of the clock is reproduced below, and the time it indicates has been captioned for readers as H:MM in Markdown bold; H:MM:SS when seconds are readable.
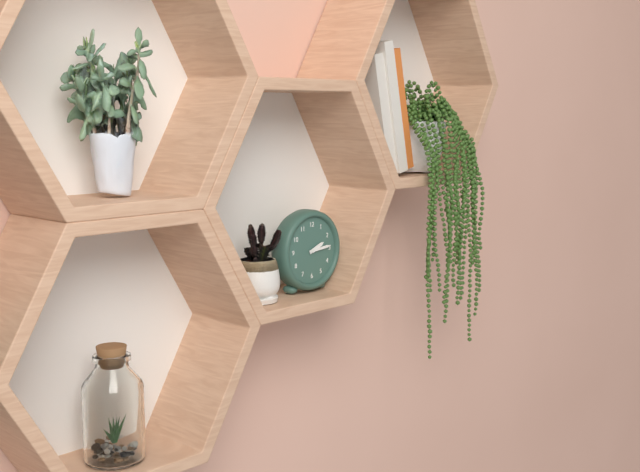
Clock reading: **2:14**
